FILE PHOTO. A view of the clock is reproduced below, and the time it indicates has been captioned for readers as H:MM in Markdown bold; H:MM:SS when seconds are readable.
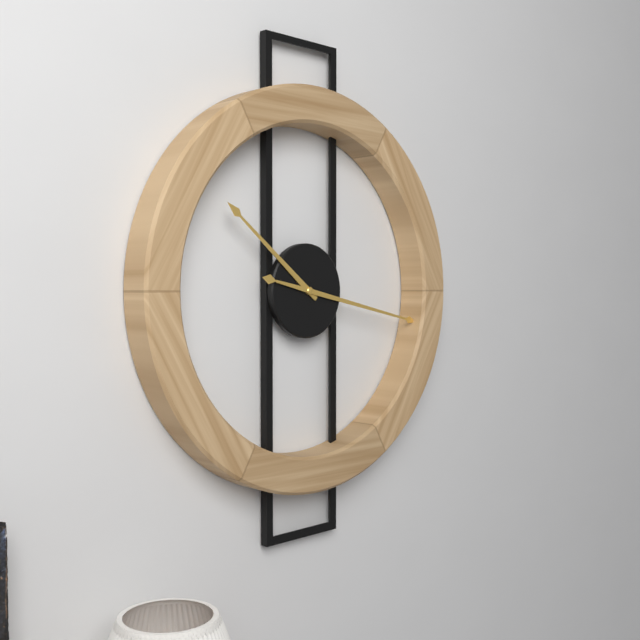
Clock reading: **10:17**
